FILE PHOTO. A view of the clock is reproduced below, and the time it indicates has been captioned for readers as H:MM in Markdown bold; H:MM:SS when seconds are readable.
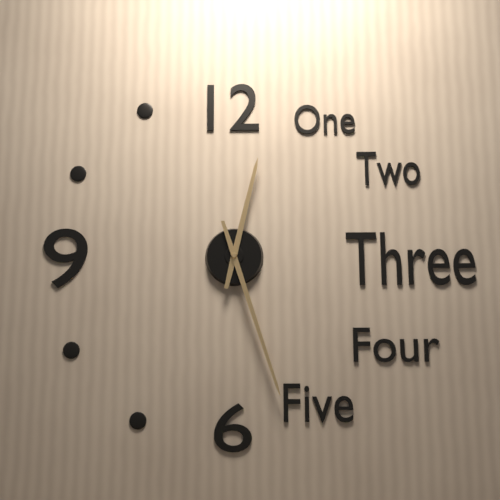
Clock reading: **12:27**
